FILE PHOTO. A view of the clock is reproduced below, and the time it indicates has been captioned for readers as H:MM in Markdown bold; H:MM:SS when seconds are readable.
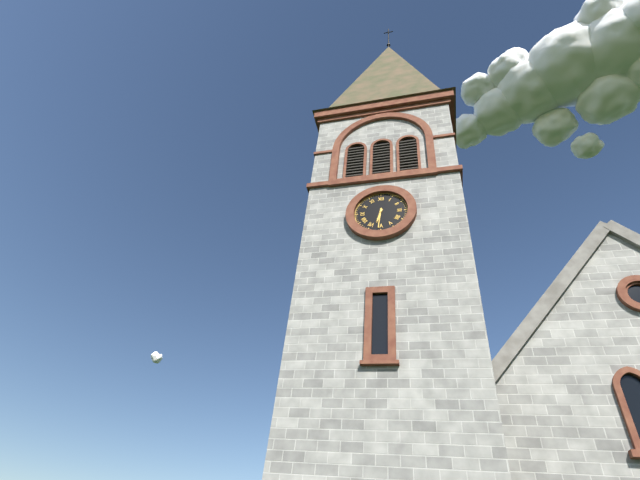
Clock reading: **6:31**
